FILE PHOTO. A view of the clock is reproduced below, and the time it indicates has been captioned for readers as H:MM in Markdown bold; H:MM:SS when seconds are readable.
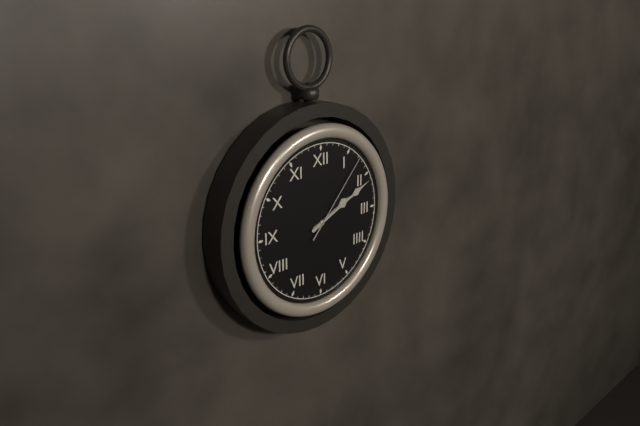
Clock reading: **2:11:07**
